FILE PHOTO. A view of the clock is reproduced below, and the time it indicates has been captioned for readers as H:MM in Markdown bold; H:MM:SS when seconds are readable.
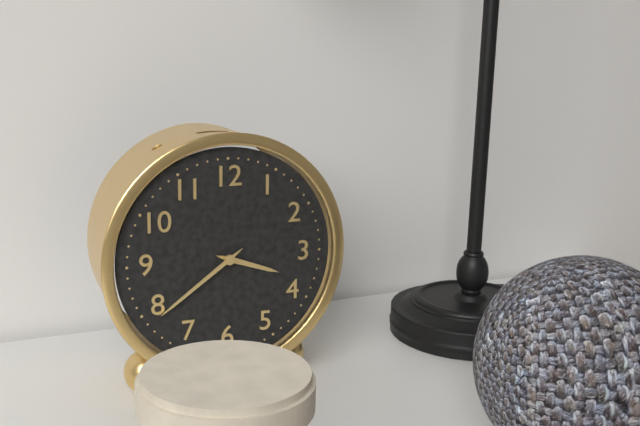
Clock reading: **3:39**
